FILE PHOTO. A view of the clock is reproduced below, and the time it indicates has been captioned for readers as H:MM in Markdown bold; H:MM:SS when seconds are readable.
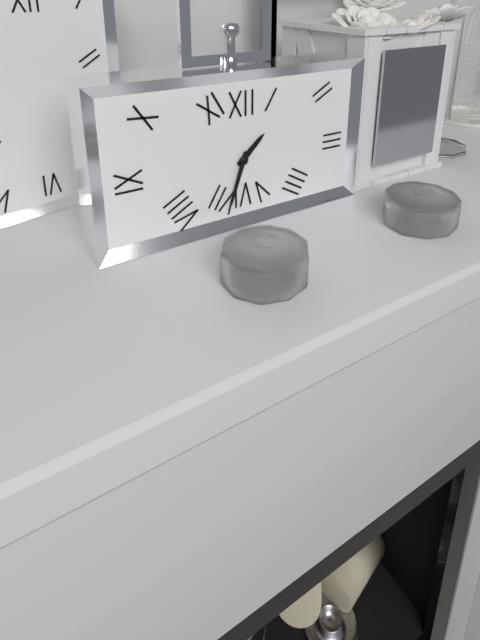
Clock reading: **1:33**
